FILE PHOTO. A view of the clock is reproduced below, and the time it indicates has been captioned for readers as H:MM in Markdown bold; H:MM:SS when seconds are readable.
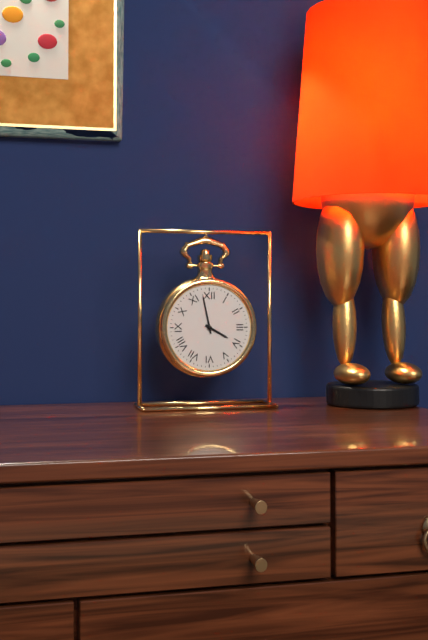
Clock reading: **3:58**
